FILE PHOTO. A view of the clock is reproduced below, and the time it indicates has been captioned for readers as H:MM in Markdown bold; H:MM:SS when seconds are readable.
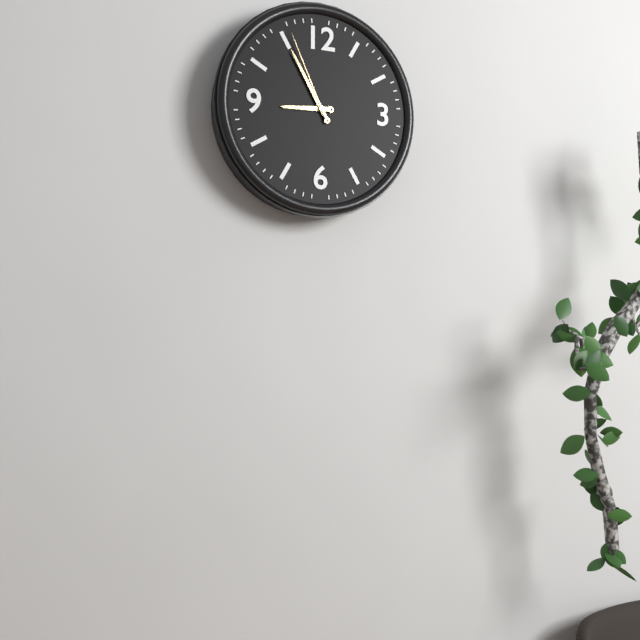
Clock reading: **8:55:56**
